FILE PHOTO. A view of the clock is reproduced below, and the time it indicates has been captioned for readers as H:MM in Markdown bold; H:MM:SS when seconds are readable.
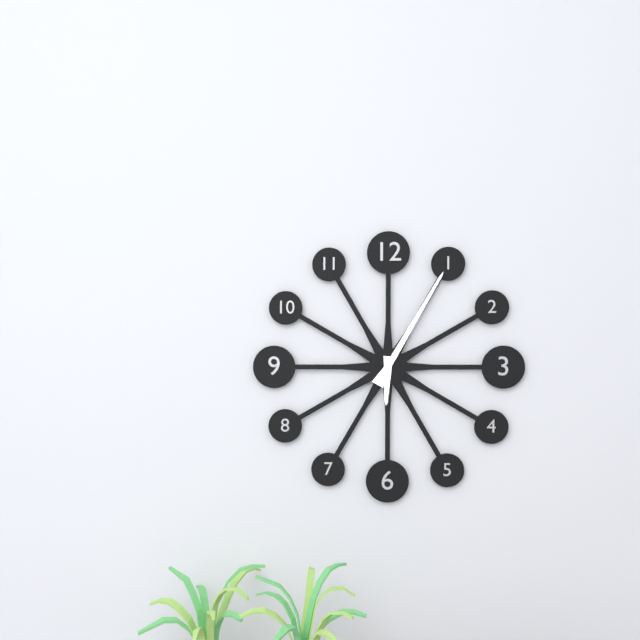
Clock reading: **6:05**
